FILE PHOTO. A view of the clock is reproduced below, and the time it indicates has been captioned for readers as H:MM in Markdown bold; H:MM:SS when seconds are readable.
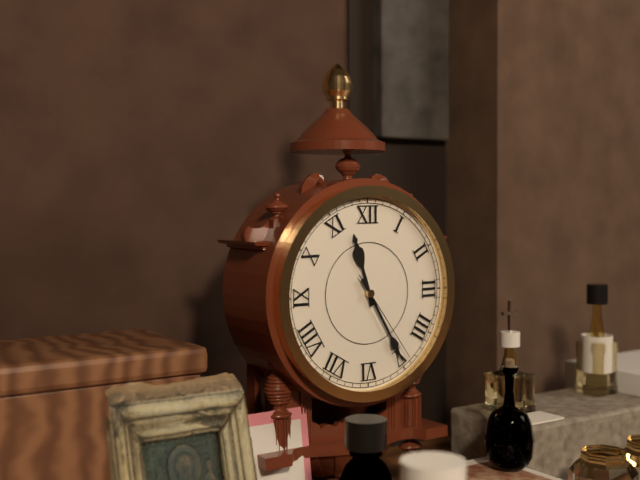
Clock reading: **11:25:24**
